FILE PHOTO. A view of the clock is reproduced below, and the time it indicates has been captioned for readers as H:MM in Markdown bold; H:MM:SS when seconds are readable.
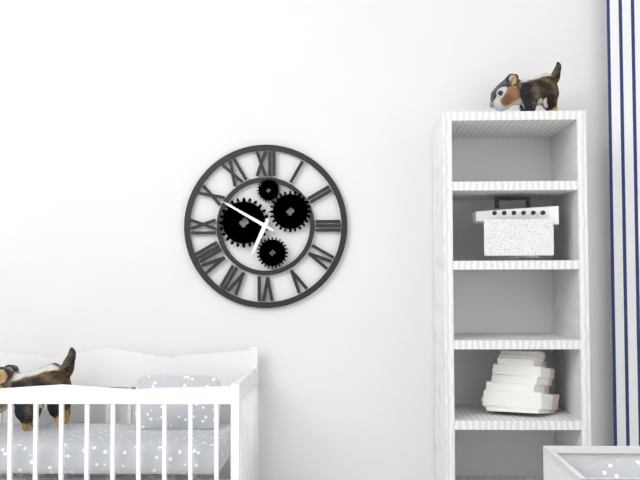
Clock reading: **6:50**
